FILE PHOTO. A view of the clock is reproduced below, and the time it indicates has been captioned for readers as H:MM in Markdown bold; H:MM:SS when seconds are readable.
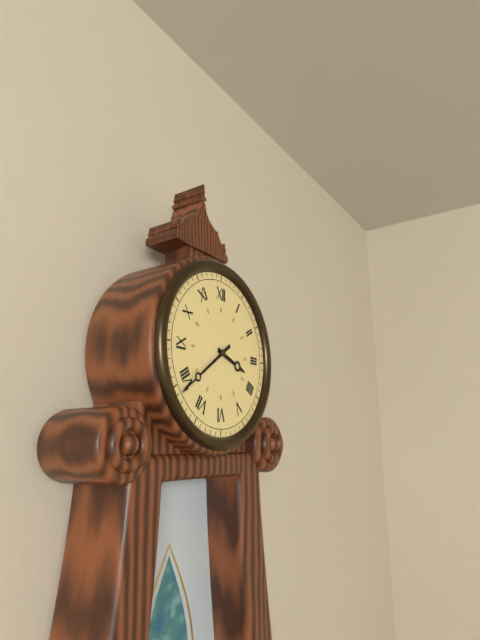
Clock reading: **3:39**
